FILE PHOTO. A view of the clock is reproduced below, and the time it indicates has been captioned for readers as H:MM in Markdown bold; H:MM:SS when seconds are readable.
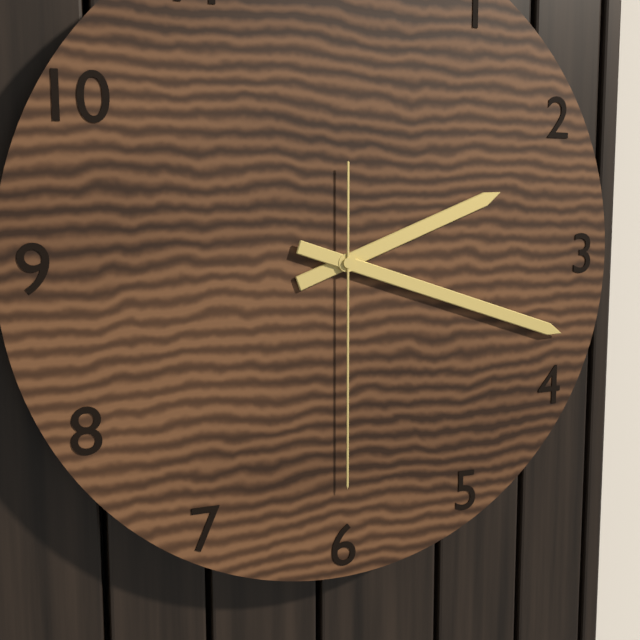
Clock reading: **2:18:30**
